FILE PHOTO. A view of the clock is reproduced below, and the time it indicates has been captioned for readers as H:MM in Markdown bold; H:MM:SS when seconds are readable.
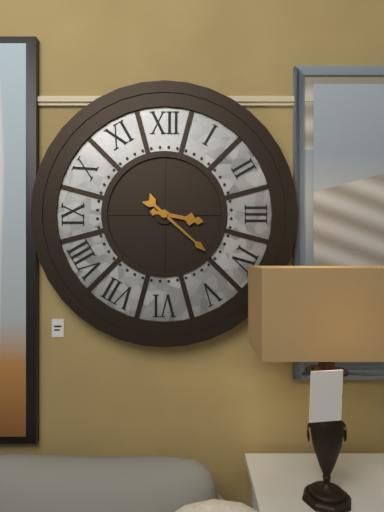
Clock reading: **3:22**
